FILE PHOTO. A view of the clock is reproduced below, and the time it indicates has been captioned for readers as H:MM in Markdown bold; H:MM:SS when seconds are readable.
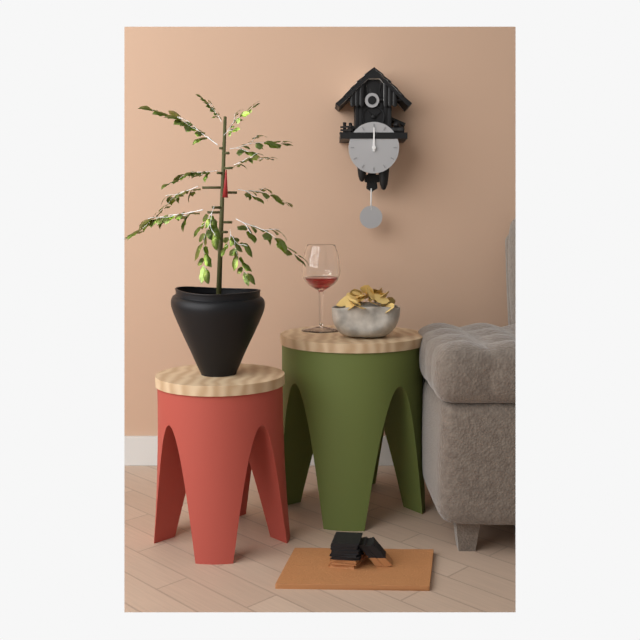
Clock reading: **12:00**
